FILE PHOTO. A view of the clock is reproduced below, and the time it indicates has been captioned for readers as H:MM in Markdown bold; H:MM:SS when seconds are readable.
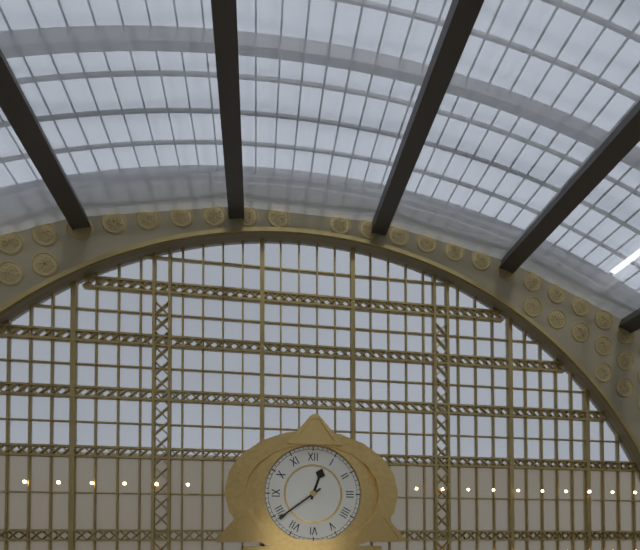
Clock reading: **12:39**
